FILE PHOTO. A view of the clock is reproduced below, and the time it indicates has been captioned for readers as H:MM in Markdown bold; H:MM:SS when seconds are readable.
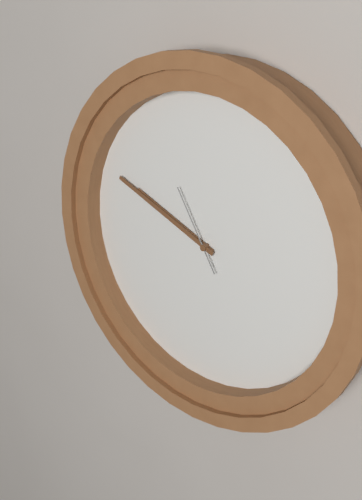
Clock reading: **9:49:55**
